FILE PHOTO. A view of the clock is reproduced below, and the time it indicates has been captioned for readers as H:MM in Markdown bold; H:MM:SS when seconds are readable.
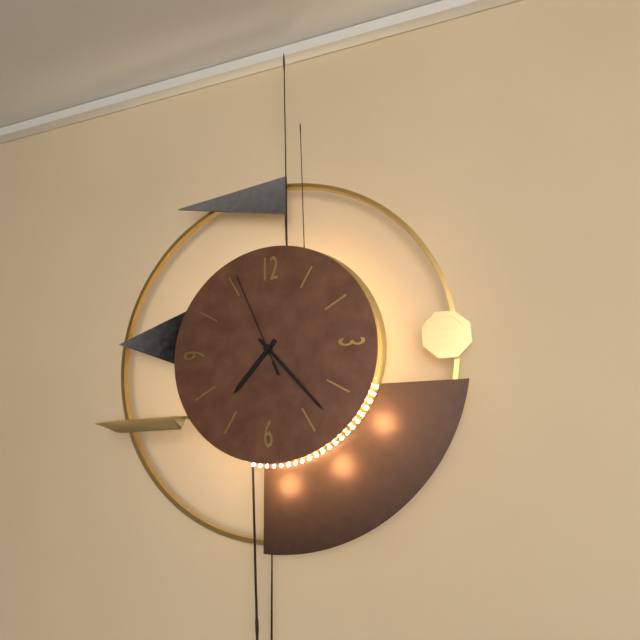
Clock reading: **7:23:56**
